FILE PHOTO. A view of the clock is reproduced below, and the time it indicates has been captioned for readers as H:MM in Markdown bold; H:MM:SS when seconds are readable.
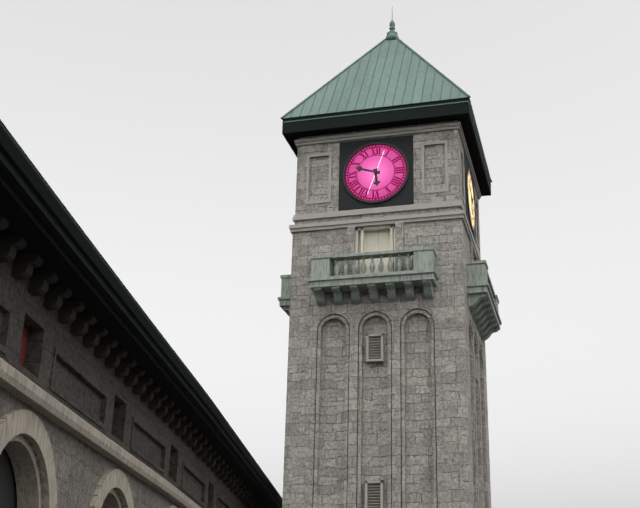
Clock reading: **5:48**
